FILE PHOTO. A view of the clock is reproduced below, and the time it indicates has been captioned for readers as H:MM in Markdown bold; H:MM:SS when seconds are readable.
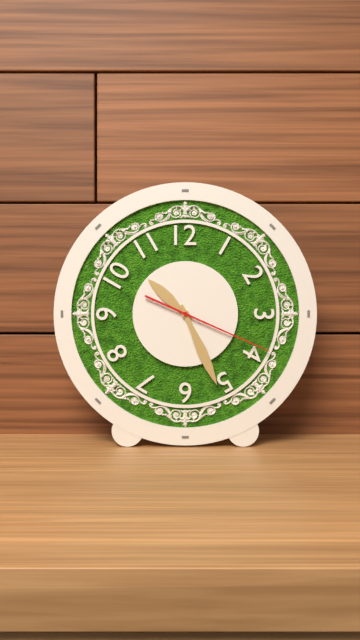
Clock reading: **10:26:19**
